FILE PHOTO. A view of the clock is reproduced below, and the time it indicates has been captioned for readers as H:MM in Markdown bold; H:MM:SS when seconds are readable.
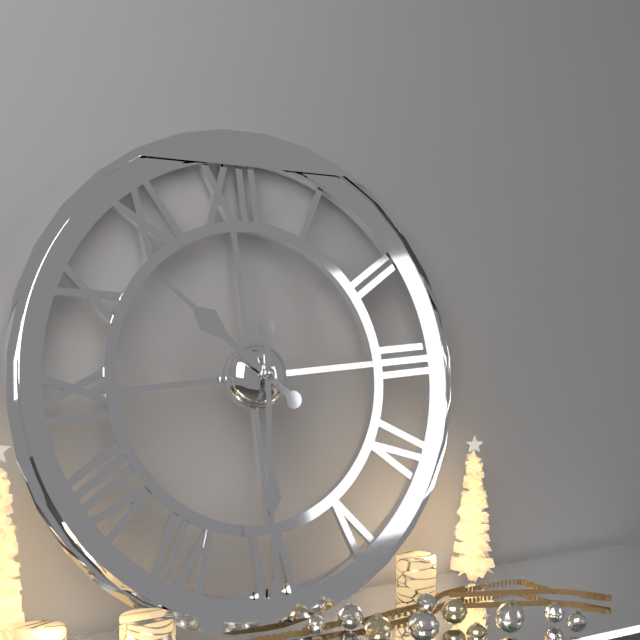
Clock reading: **10:31**
